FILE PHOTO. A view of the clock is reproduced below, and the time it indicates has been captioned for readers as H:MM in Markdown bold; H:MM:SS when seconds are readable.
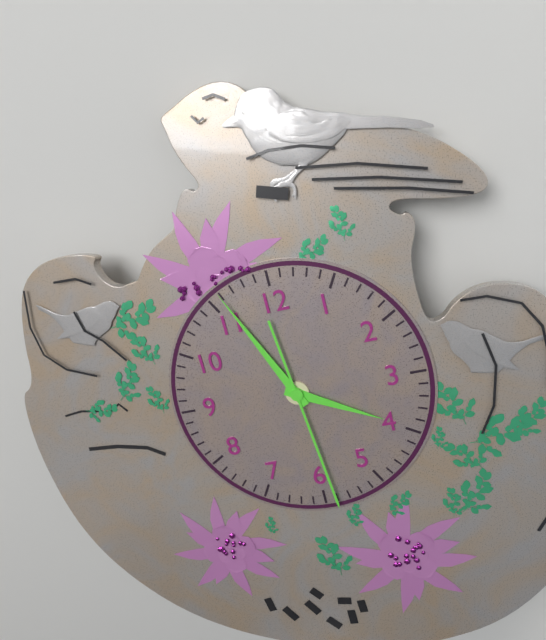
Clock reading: **3:56:29**
